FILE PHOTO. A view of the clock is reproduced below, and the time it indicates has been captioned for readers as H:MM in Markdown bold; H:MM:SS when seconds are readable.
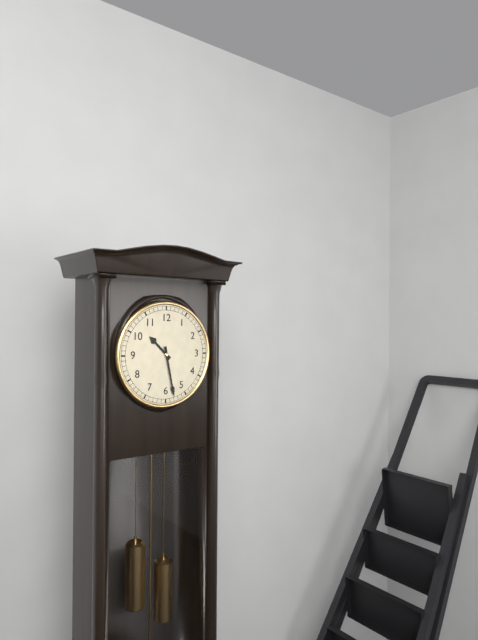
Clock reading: **10:28**
